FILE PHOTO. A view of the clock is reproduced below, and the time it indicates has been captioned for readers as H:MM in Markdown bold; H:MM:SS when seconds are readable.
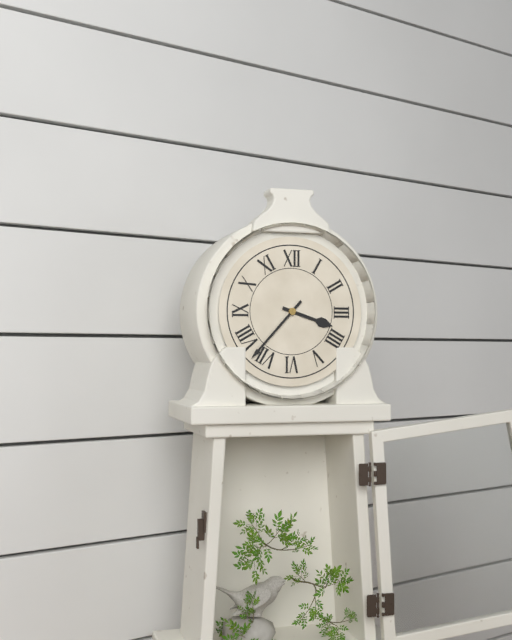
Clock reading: **3:37**
